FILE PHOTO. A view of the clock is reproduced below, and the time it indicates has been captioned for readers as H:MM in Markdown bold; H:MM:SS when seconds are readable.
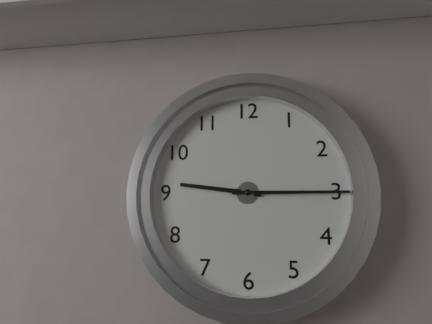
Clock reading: **9:15**
